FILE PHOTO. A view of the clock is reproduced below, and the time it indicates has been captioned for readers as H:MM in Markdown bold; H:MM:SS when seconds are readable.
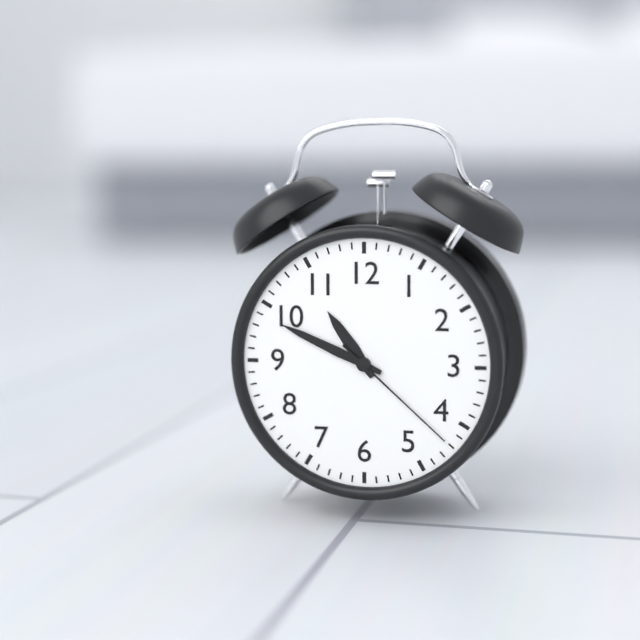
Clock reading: **10:49:22**
